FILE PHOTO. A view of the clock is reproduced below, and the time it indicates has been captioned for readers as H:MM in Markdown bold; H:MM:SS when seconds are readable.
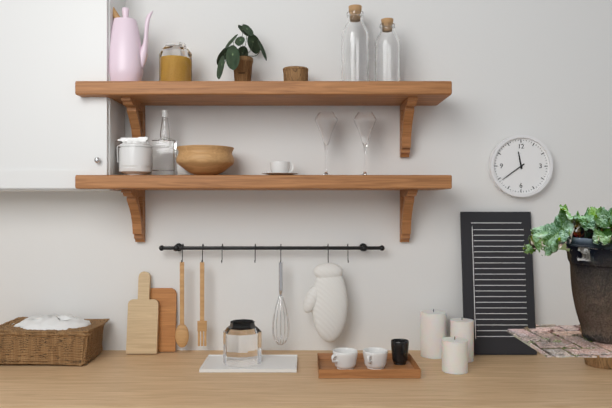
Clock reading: **11:39**
